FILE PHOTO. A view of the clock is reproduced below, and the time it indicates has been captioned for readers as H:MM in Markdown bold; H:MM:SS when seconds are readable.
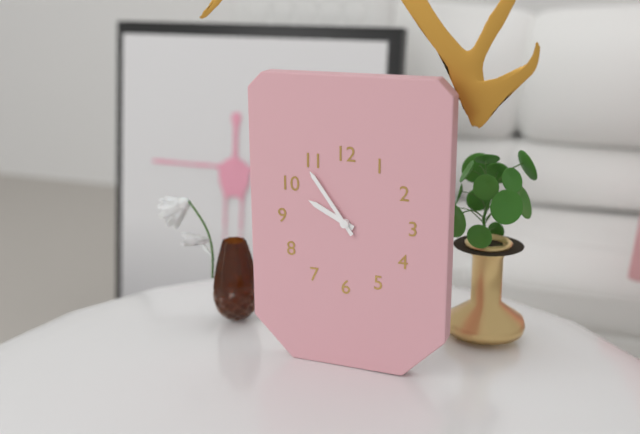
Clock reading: **9:54**
